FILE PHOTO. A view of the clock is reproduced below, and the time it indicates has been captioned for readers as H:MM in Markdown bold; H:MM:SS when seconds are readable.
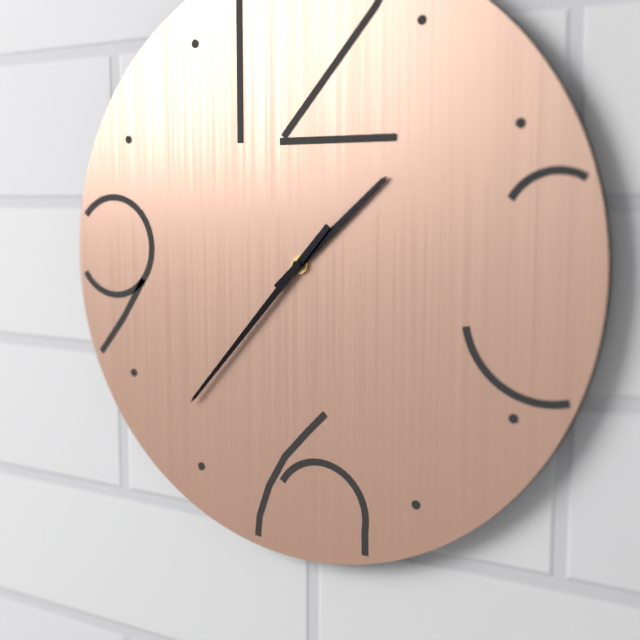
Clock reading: **1:37**
